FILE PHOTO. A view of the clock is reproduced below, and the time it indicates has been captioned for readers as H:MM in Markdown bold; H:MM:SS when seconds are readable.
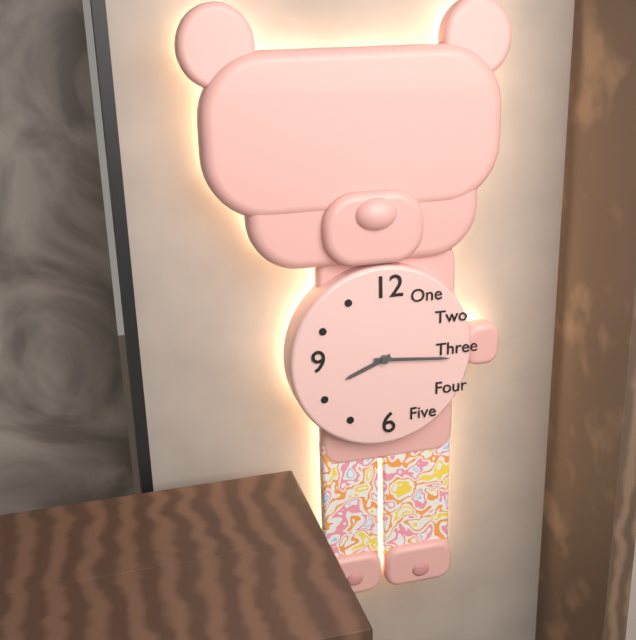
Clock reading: **8:16**
